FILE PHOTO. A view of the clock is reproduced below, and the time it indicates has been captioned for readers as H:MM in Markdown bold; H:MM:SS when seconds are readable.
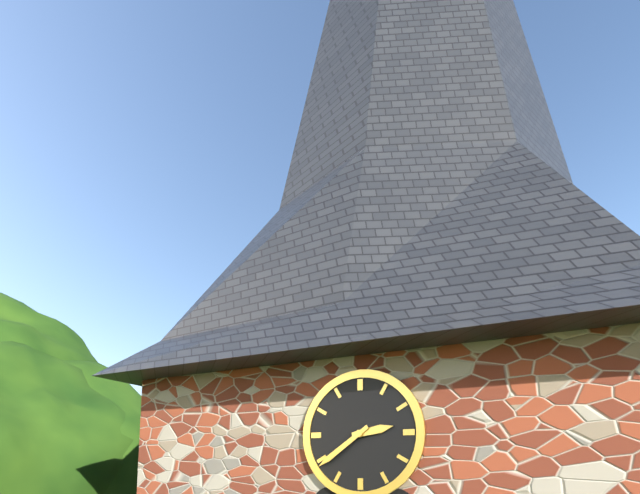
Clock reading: **2:39**
